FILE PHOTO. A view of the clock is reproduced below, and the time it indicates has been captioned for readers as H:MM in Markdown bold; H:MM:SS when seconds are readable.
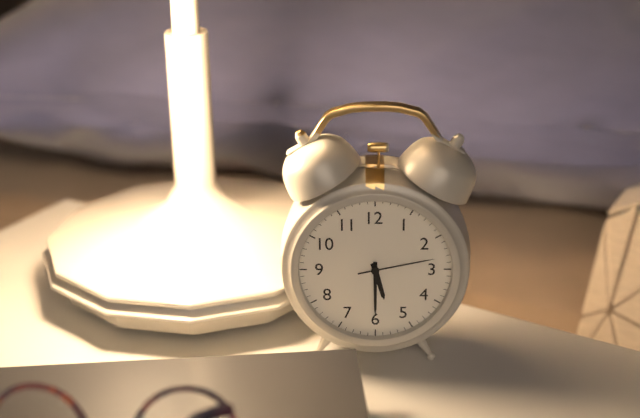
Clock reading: **5:30:13**
